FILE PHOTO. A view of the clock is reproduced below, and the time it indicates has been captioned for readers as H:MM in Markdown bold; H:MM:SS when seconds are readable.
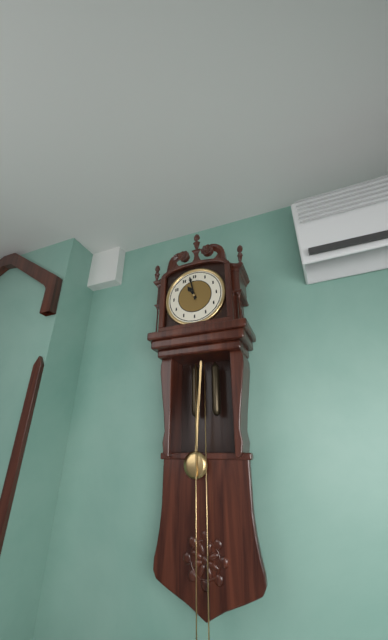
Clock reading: **10:58**
